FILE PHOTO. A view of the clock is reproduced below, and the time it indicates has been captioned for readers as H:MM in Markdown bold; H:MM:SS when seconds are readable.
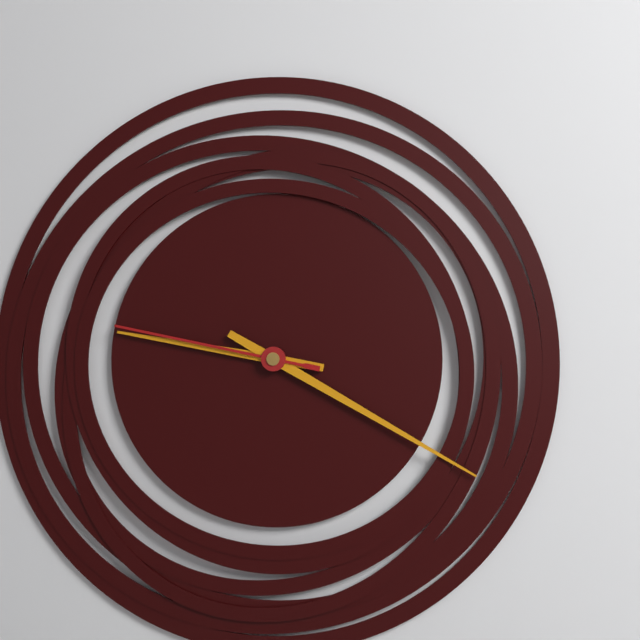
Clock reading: **9:20:47**
